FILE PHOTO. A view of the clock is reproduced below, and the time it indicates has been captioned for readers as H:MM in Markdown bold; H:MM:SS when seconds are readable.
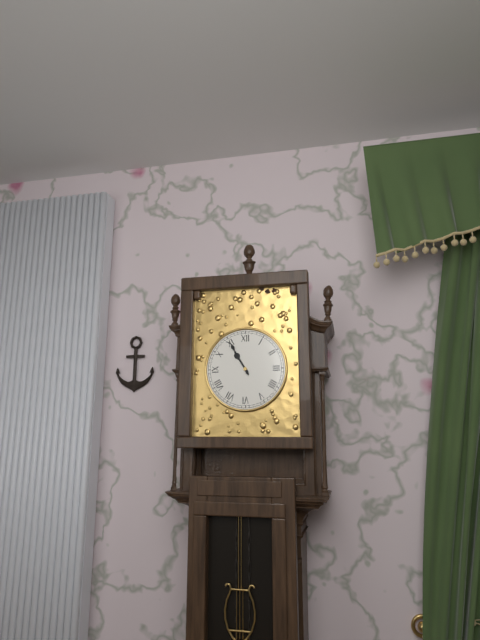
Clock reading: **10:55**
